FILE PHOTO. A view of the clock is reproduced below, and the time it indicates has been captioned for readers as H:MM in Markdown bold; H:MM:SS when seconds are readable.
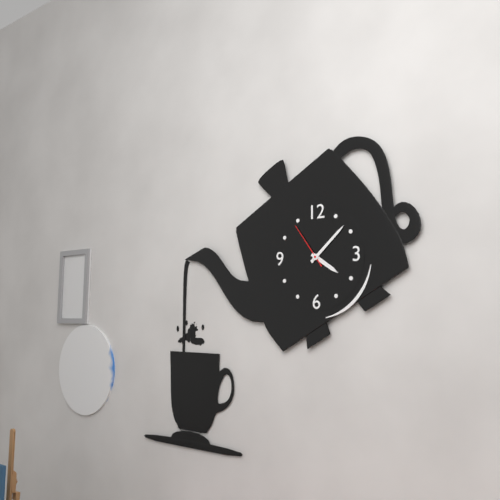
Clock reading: **4:08**
